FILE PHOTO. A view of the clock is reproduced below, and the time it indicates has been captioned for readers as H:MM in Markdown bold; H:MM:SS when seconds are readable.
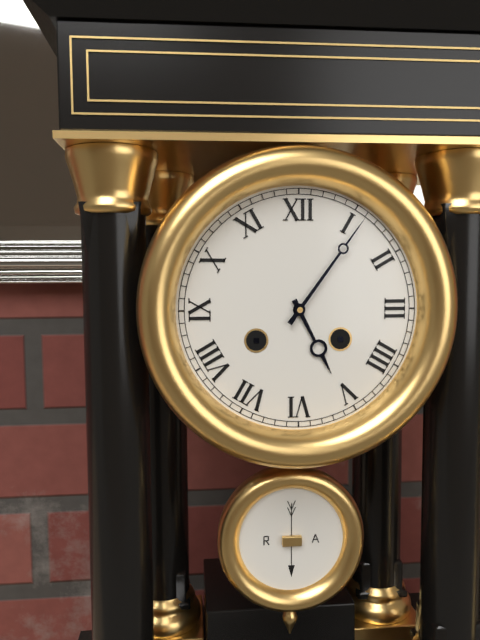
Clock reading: **5:06**
